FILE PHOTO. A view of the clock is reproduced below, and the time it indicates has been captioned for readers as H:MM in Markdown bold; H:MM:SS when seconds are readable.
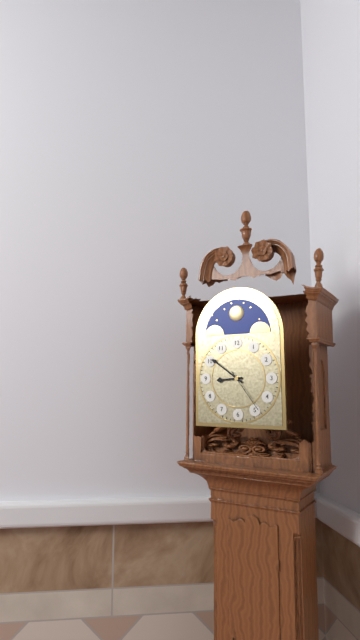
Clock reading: **8:51**
